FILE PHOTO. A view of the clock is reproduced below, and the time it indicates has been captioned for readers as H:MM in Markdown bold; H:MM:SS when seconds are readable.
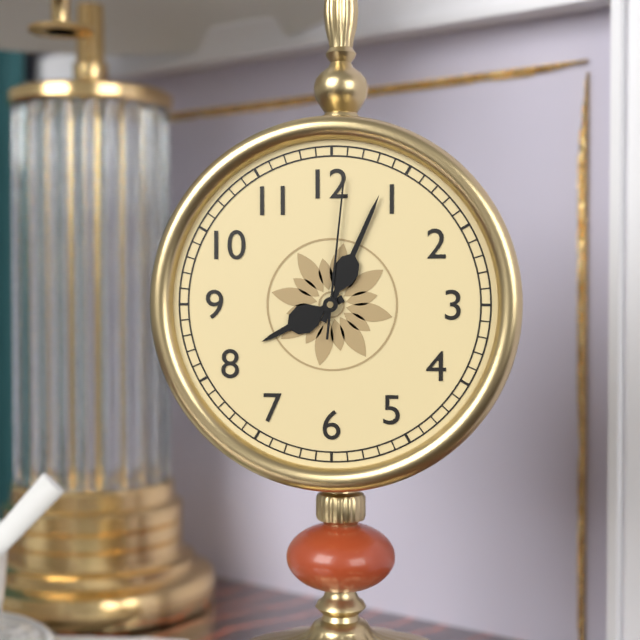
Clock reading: **8:04:01**
